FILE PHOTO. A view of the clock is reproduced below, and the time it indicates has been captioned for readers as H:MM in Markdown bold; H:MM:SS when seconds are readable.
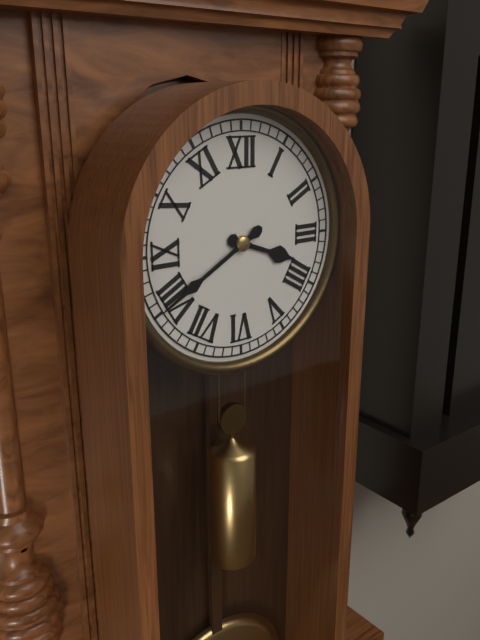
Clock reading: **3:40**
